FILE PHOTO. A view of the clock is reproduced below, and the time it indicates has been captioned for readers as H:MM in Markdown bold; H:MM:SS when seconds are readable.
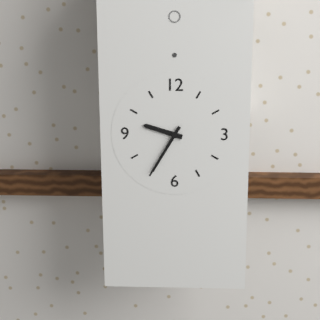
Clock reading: **9:35**
